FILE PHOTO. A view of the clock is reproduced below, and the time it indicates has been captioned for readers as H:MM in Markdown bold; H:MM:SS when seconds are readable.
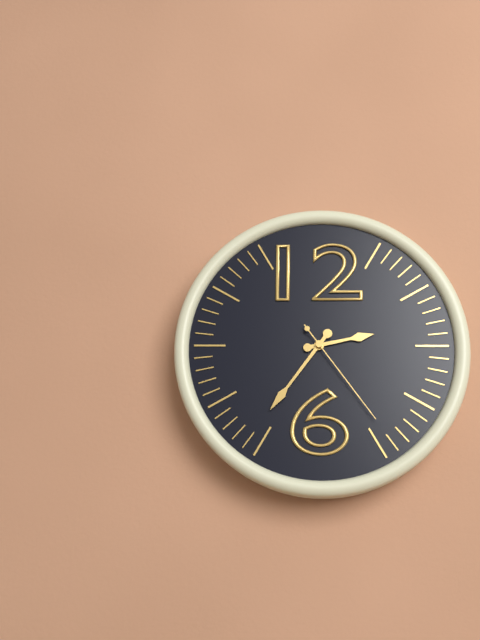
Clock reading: **2:36:24**
